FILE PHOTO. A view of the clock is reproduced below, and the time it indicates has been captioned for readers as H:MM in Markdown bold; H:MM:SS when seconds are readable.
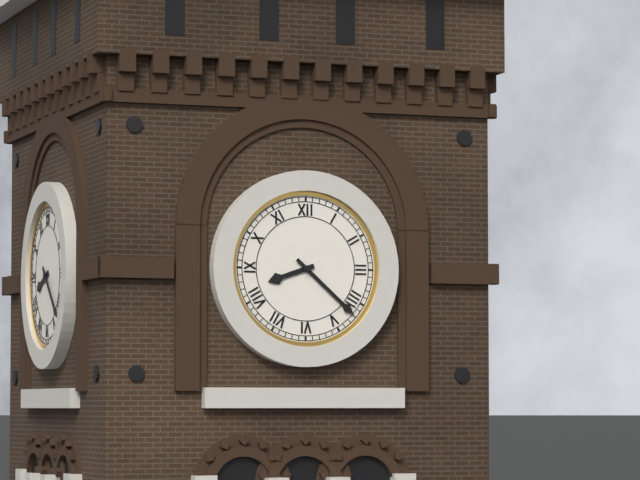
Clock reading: **8:22**
